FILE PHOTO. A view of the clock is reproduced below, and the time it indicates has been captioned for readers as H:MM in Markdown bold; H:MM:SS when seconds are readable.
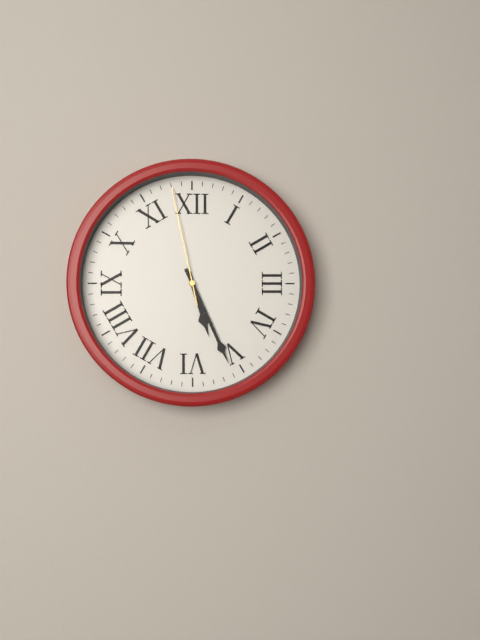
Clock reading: **5:26:58**
